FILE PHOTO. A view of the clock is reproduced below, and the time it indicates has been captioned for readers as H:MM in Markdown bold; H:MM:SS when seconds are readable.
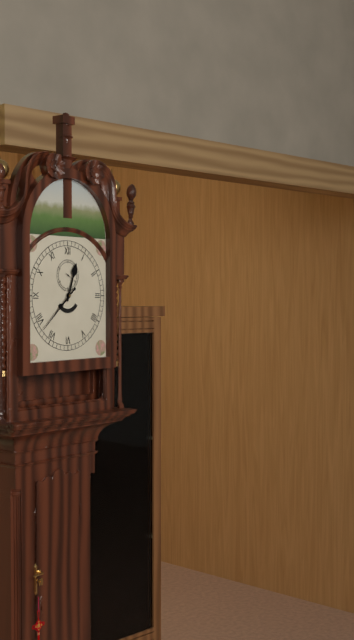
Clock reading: **12:38**
